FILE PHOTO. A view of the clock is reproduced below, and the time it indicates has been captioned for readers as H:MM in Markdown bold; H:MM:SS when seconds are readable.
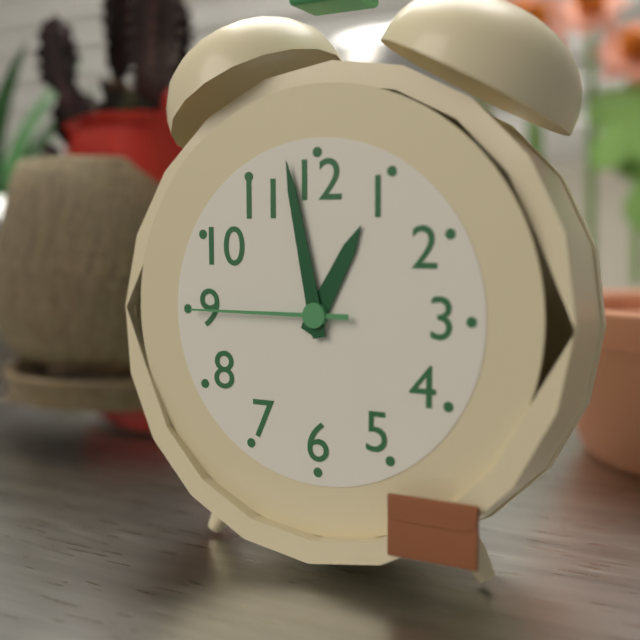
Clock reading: **12:58:45**
